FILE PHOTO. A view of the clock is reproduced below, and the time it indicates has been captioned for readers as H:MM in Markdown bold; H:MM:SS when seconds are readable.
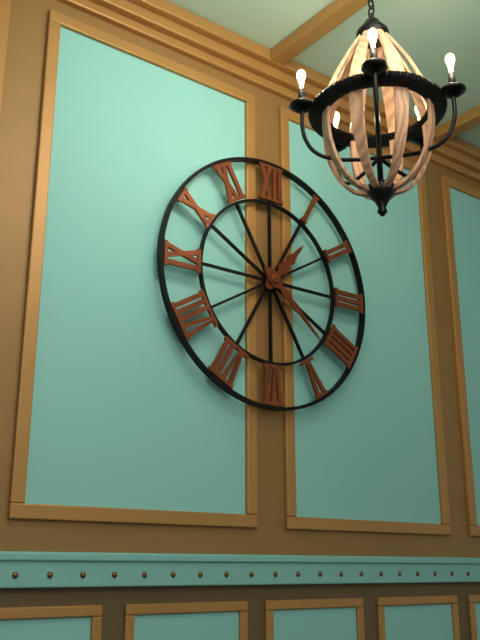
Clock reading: **1:22**
